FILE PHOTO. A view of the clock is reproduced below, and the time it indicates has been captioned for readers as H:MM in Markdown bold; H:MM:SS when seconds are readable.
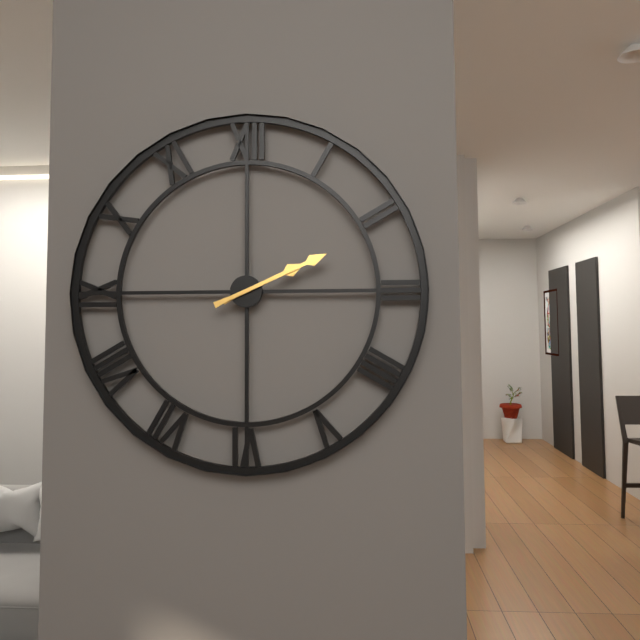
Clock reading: **2:11**
